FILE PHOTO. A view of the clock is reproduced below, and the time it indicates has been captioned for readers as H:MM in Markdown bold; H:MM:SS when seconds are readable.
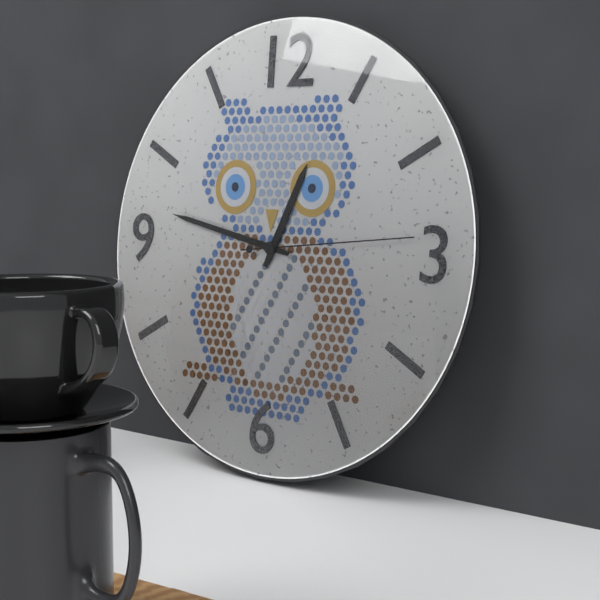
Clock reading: **12:47:14**
